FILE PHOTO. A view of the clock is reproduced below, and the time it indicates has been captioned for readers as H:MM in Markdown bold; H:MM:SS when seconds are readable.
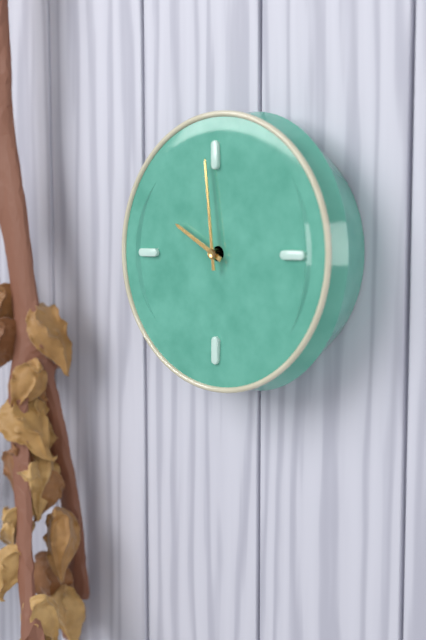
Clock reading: **9:59**
